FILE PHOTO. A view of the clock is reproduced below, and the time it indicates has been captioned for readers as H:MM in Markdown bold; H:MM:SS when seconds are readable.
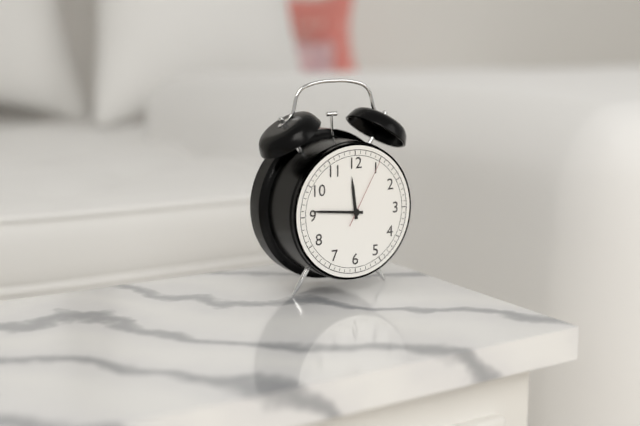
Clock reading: **11:46:05**
